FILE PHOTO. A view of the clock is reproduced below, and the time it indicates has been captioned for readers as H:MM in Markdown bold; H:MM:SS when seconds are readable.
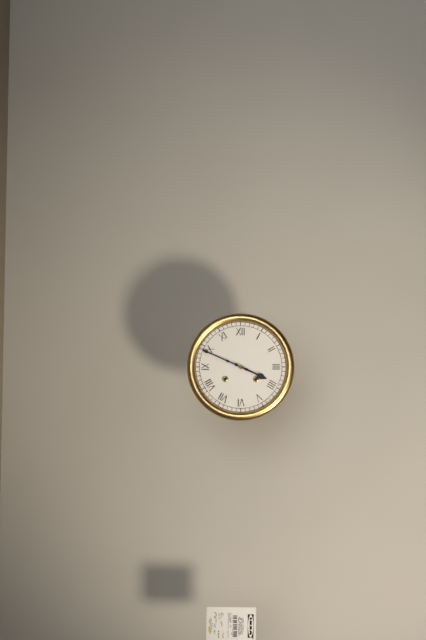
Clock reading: **3:49**
